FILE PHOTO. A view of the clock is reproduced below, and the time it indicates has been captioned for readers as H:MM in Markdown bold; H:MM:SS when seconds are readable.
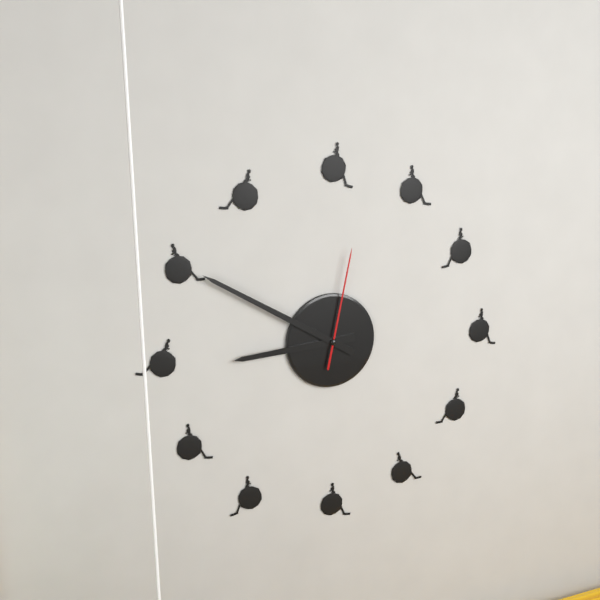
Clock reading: **8:50:02**
